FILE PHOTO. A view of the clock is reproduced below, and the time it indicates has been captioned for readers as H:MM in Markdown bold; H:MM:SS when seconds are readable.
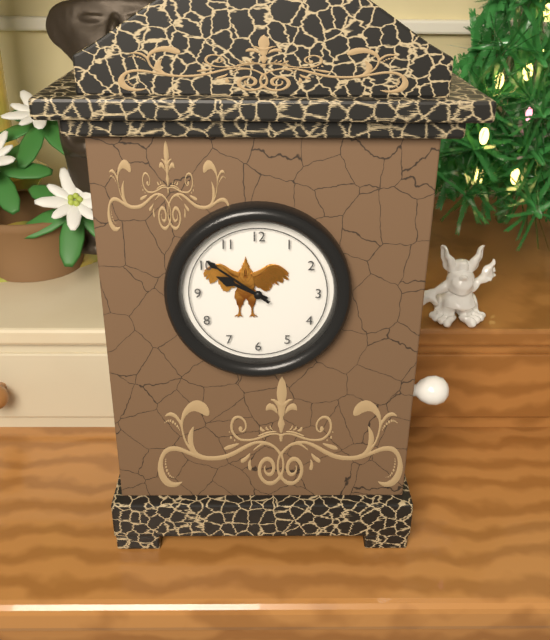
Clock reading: **9:51**
